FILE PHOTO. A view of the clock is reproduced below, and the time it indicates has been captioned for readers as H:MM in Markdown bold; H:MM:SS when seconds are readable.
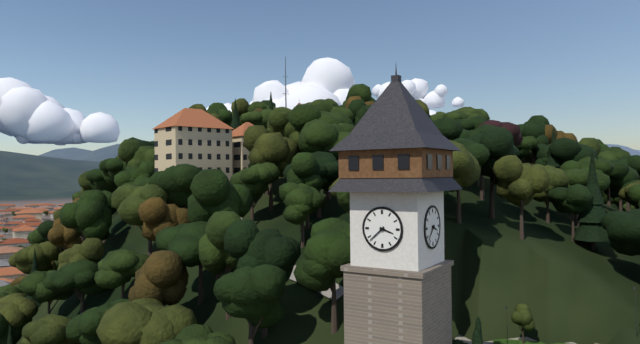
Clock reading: **3:38**
